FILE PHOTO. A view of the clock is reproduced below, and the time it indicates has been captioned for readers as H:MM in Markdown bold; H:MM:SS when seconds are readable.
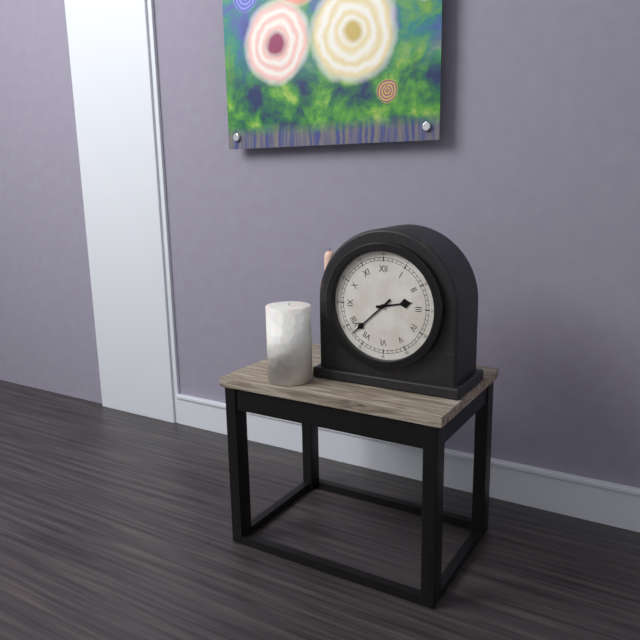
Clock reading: **2:38**
